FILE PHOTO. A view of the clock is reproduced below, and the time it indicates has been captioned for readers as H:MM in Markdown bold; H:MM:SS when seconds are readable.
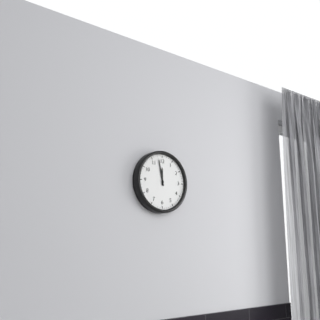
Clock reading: **11:58**
